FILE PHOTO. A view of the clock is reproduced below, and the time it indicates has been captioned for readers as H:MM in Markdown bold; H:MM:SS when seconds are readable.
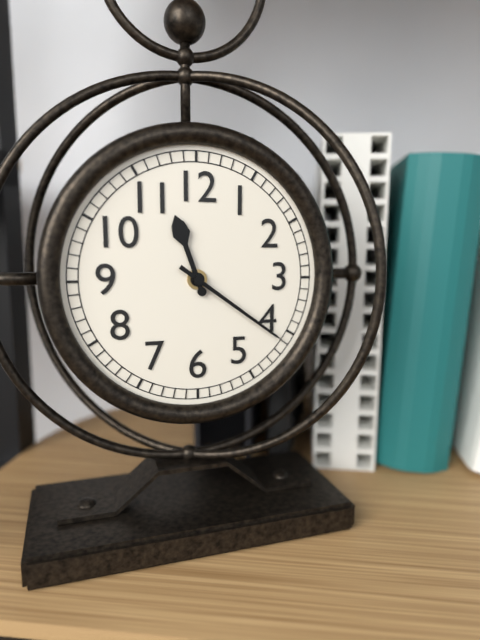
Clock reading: **11:21**
